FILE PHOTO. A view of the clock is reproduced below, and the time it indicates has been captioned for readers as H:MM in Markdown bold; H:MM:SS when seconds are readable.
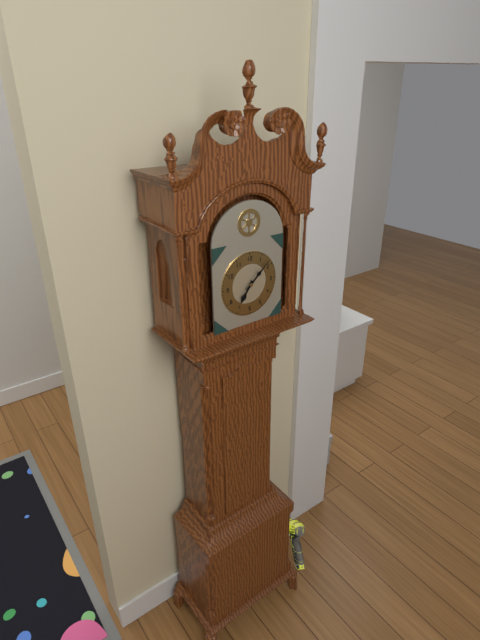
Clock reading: **7:08**
